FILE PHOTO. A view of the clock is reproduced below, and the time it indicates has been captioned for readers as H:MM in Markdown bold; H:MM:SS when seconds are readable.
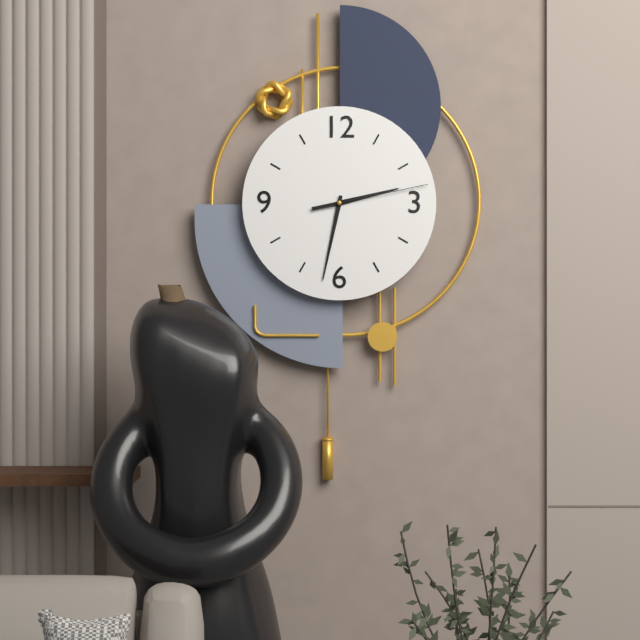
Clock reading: **2:32:13**
